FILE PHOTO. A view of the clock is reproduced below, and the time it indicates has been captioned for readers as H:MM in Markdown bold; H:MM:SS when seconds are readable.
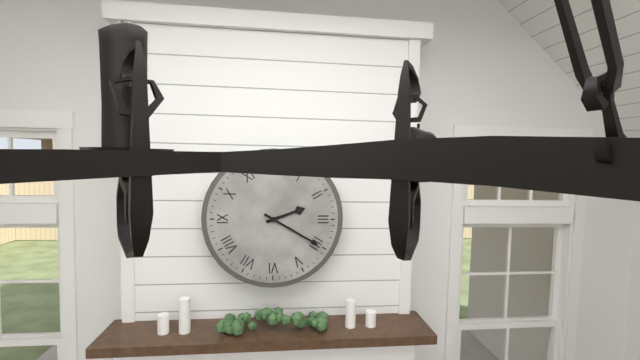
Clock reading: **2:20**
